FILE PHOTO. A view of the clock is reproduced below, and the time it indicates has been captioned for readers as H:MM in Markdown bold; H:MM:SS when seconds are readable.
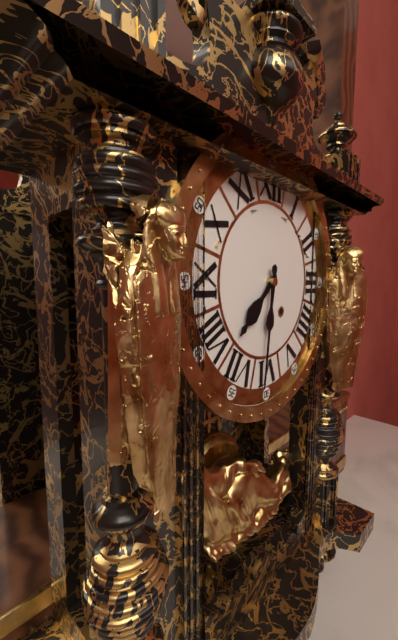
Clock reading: **7:31**
